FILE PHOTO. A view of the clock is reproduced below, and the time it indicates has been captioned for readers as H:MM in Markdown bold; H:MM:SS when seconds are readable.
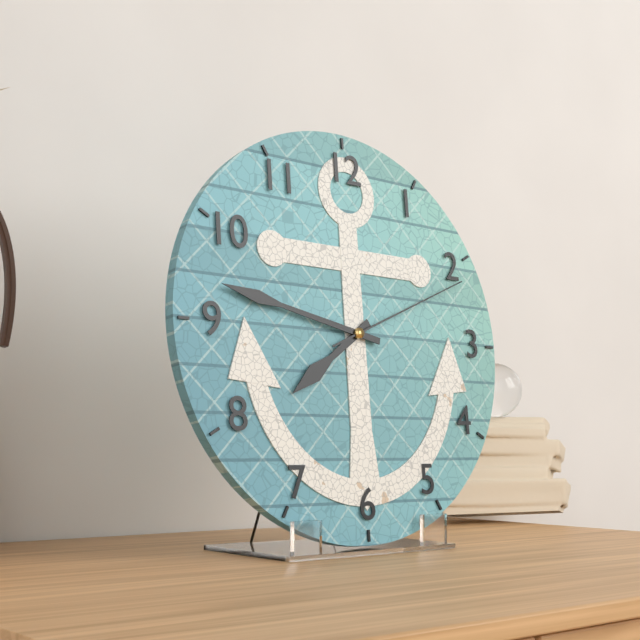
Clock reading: **7:47:11**
